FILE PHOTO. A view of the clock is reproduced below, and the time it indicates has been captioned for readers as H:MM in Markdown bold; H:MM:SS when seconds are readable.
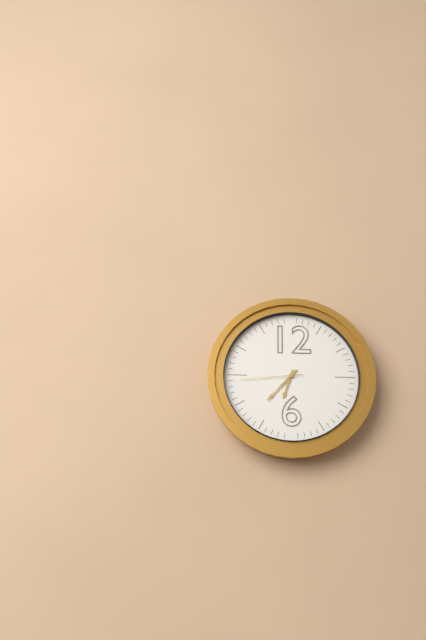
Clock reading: **6:37:44**
